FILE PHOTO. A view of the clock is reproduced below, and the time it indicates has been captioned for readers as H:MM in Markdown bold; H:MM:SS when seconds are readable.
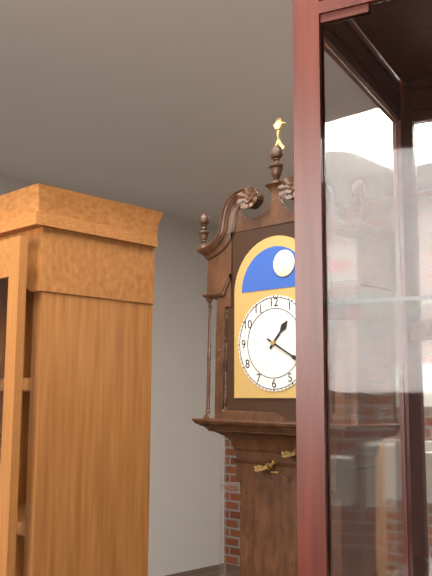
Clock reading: **1:20**
